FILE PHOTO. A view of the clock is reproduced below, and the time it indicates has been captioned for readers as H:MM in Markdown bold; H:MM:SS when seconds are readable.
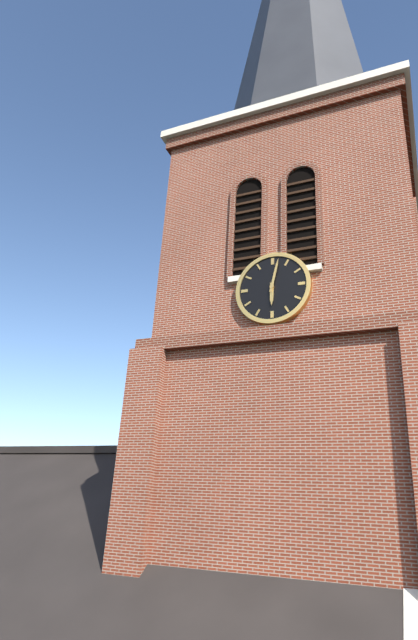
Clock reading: **6:02**
